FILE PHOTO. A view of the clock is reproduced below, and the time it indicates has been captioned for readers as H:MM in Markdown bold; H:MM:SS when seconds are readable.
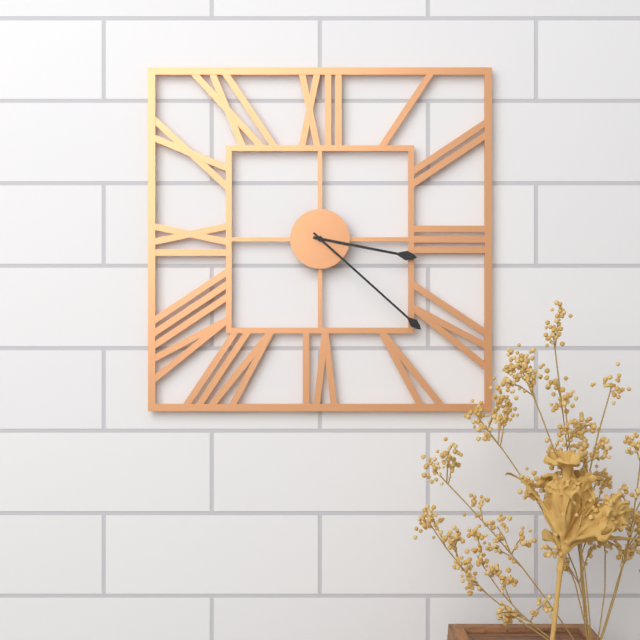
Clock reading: **3:22**
